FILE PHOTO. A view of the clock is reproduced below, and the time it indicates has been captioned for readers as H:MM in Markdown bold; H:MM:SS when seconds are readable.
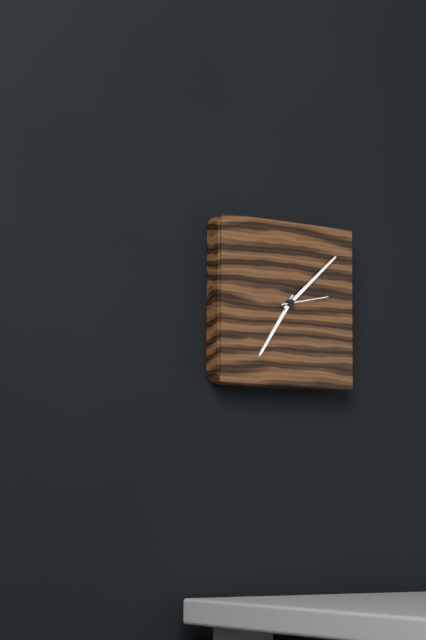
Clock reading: **7:08**
